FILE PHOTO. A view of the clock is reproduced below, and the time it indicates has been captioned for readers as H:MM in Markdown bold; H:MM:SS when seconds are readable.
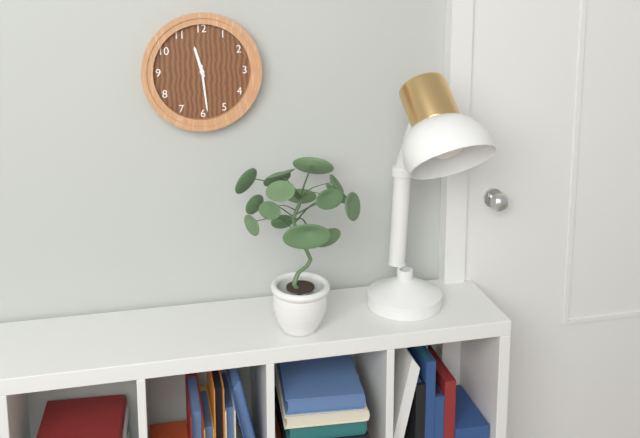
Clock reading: **11:29**
